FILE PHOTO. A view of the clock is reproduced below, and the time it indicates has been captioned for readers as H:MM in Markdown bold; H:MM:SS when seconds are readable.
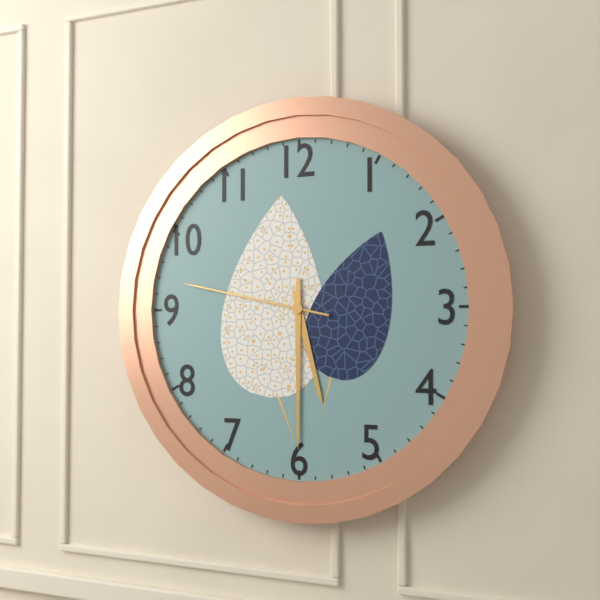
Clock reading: **5:30:47**
